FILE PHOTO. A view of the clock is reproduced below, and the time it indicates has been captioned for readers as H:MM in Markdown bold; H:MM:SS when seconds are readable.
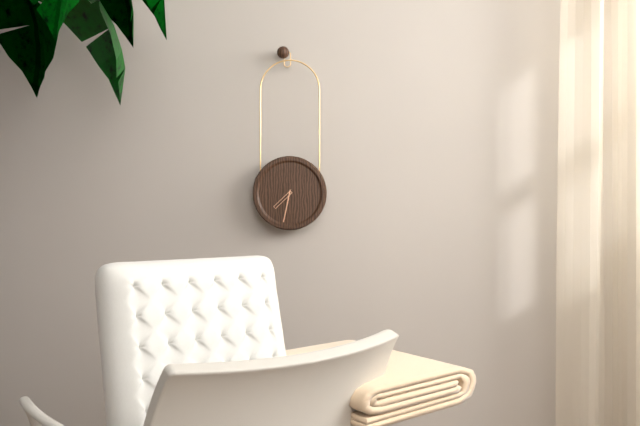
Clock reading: **7:32**
